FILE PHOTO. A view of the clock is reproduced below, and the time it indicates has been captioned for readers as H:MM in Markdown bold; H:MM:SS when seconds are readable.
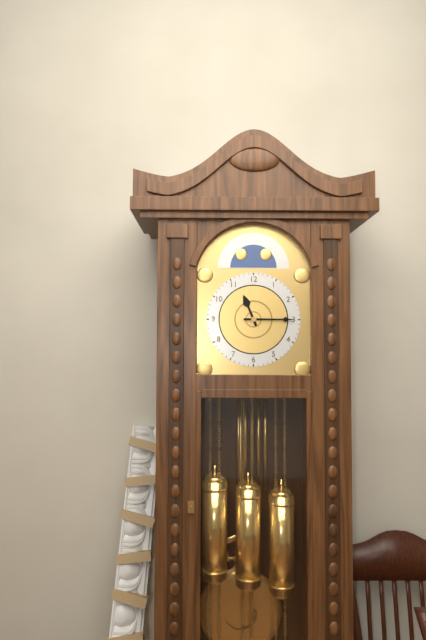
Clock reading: **11:15**
